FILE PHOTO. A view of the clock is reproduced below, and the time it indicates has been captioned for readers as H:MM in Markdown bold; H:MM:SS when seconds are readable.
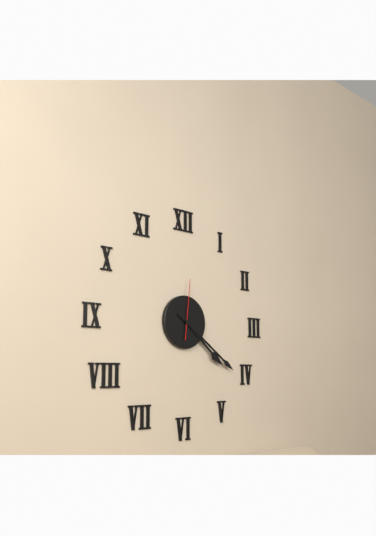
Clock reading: **4:21:01**
